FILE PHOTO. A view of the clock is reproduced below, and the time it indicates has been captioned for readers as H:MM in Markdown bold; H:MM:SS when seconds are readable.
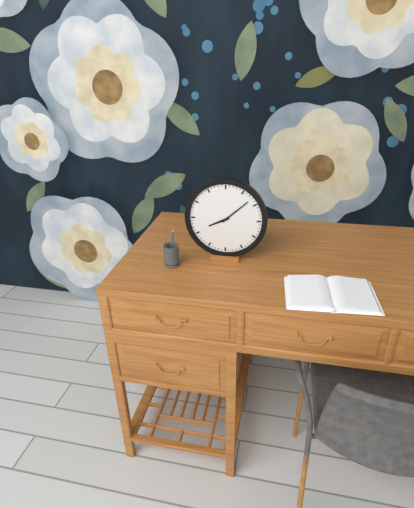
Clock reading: **8:08**
